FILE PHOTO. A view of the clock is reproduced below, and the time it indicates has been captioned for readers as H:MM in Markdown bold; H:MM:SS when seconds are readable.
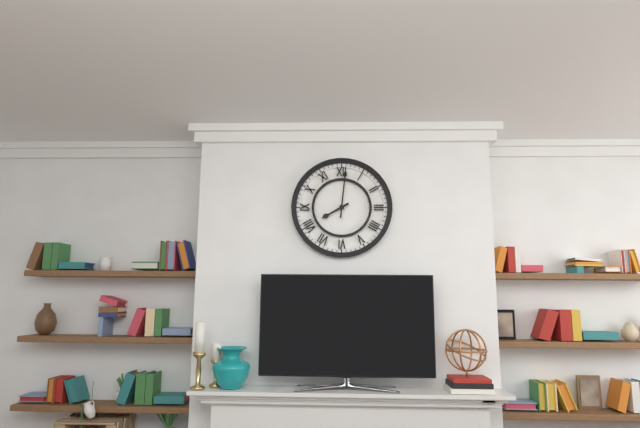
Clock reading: **8:01**
